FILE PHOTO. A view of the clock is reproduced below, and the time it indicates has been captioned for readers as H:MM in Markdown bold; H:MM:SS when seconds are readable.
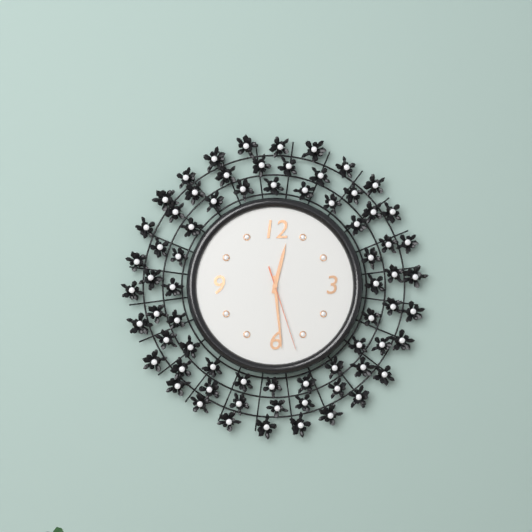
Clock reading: **12:29:27**
